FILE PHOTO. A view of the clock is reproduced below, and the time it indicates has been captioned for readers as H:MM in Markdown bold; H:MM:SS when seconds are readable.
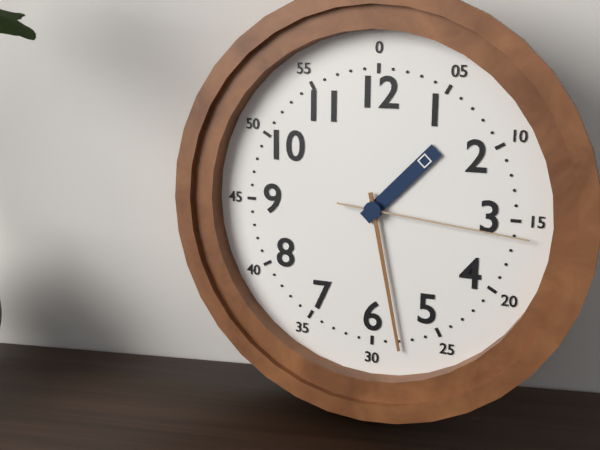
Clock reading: **1:28:16**
